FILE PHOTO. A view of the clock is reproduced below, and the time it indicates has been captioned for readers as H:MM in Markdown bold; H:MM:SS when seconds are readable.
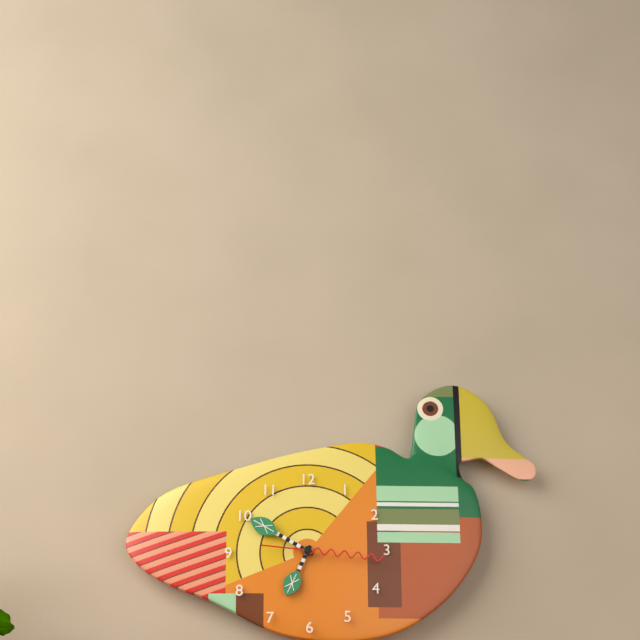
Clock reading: **6:50:16**
